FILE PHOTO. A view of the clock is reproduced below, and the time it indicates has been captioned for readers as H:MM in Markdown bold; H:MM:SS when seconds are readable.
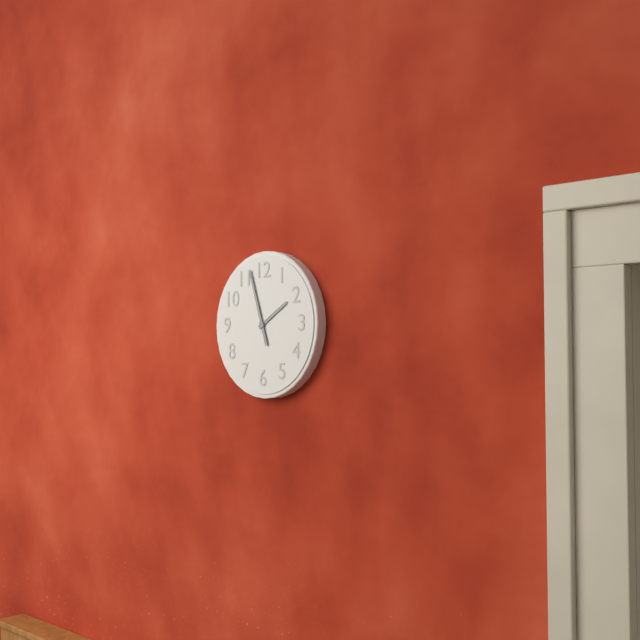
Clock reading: **1:57**
